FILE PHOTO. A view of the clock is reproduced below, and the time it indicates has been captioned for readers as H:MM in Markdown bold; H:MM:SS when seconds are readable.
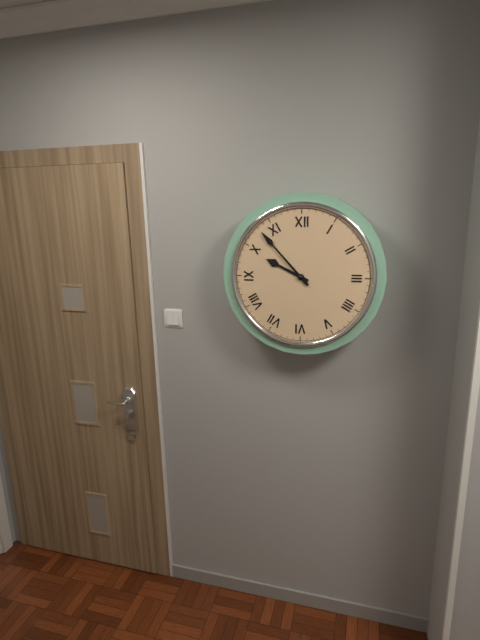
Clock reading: **9:53**
